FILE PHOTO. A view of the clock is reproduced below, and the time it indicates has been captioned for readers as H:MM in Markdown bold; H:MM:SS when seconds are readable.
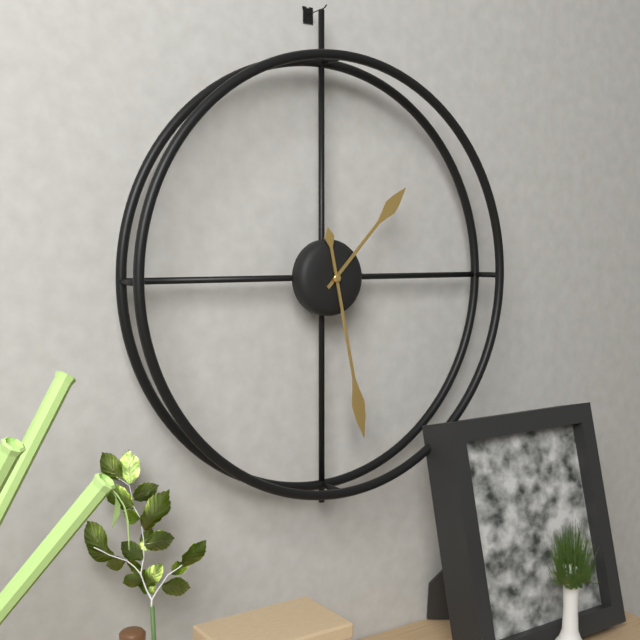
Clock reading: **1:28**
